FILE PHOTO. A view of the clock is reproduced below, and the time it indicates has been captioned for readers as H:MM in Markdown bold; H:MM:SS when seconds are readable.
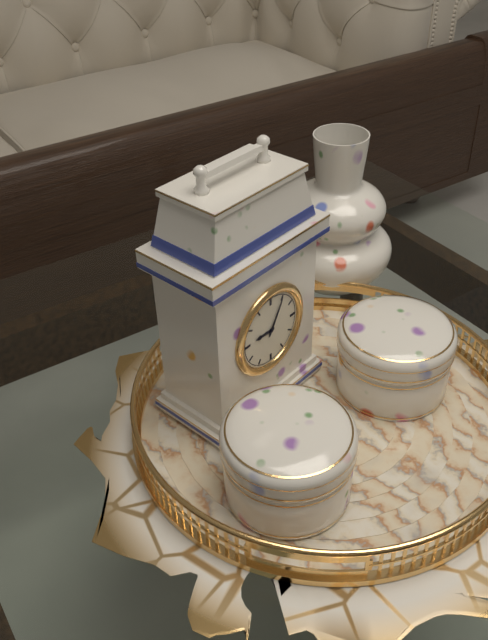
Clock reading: **9:05**
